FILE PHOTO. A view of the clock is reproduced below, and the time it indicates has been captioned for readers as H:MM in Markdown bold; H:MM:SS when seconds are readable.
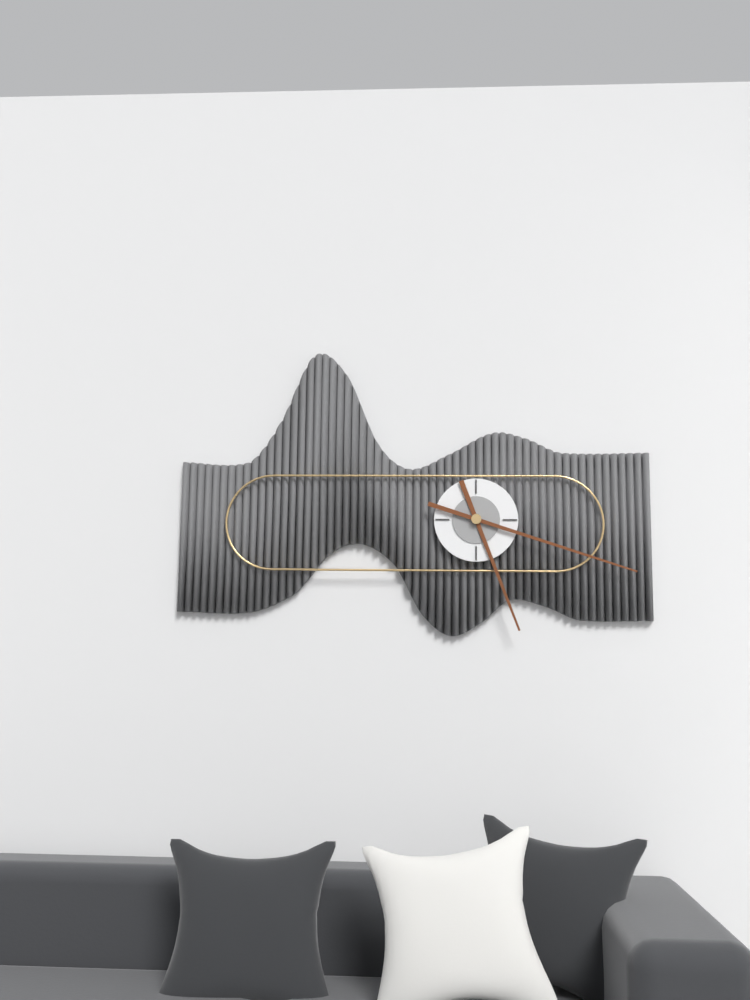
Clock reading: **5:18**
